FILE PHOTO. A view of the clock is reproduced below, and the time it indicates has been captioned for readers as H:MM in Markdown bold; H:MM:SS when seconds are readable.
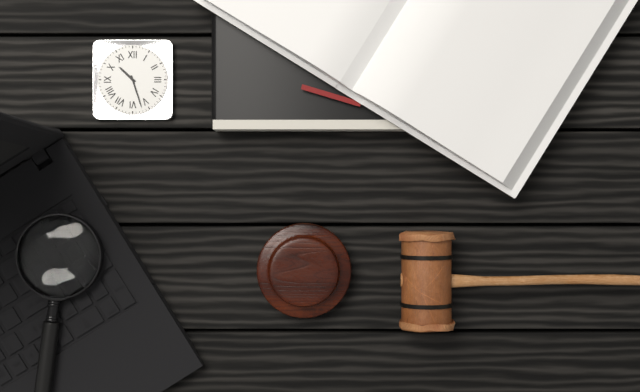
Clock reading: **10:27**
